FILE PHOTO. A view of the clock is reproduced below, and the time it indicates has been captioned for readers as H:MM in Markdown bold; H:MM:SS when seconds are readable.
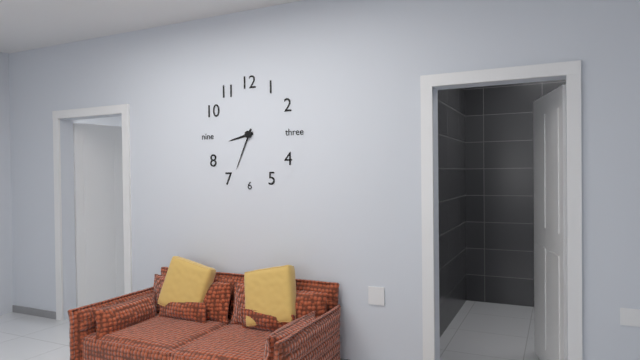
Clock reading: **8:34**
